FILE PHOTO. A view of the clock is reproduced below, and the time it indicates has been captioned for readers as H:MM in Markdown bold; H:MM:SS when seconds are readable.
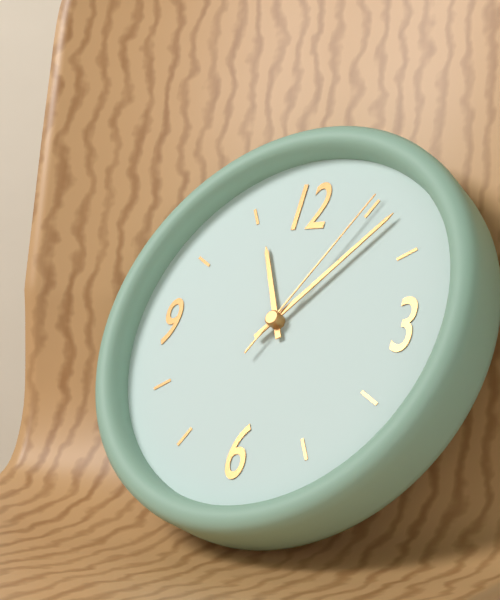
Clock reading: **11:07:05**
